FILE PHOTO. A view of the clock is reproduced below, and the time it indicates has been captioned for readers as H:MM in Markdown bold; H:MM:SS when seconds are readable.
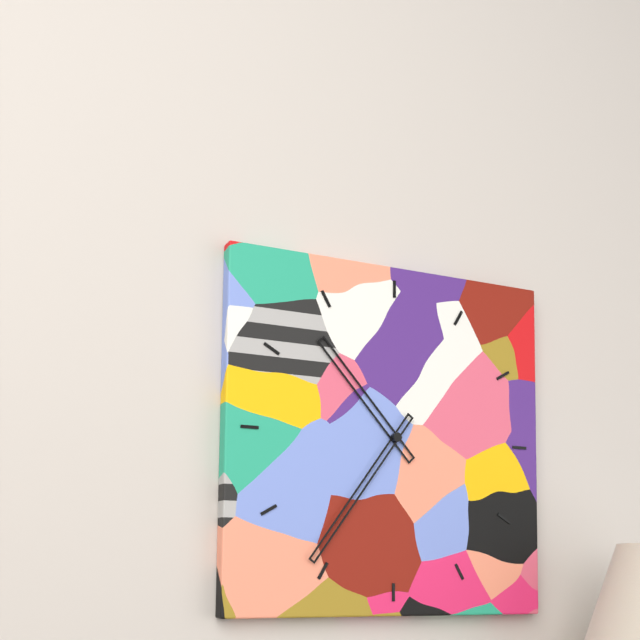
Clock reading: **10:36**
